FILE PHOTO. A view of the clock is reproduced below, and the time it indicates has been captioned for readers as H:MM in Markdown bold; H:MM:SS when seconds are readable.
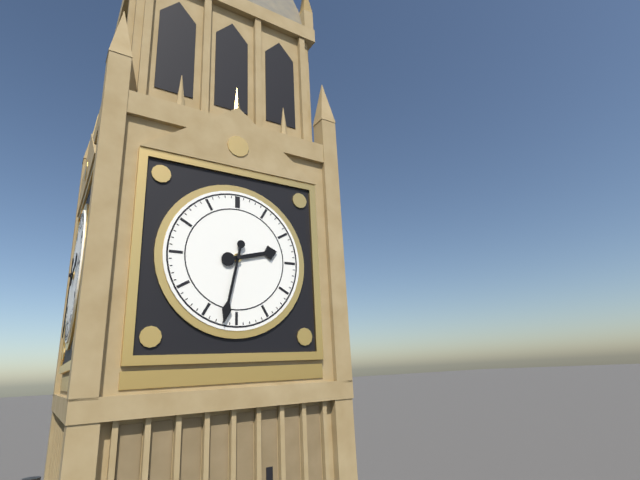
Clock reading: **2:32**
